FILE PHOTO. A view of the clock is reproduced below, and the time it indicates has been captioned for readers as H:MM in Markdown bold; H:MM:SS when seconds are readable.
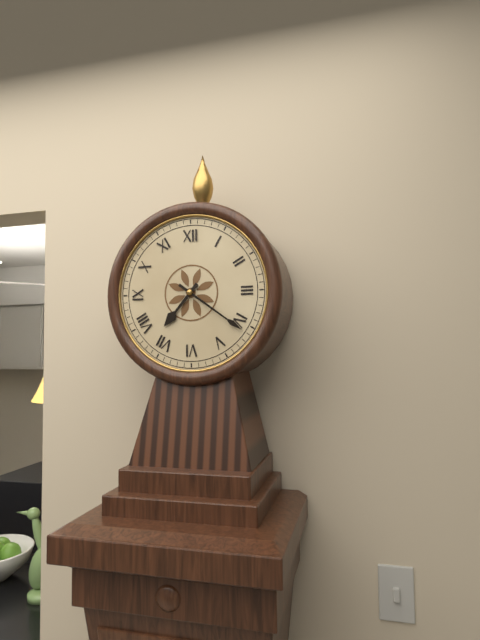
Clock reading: **7:21**
